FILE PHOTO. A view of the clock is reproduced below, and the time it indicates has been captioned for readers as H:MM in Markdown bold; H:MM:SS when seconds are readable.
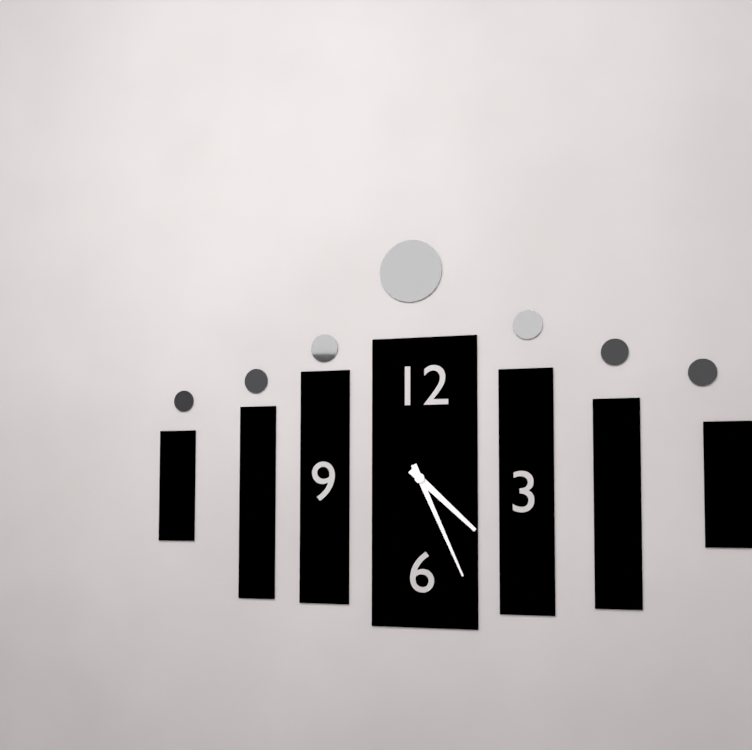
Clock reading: **4:26**
